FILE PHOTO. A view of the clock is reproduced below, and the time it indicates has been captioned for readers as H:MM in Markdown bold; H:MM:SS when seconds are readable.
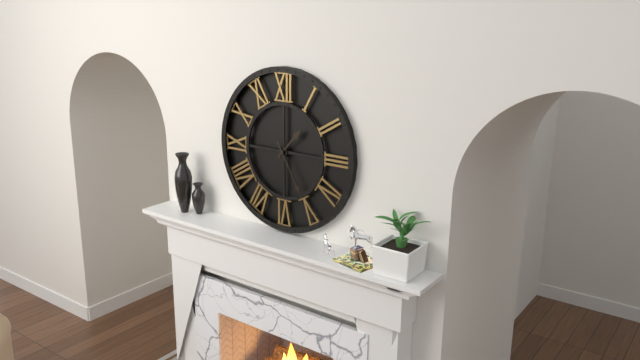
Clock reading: **1:25**
